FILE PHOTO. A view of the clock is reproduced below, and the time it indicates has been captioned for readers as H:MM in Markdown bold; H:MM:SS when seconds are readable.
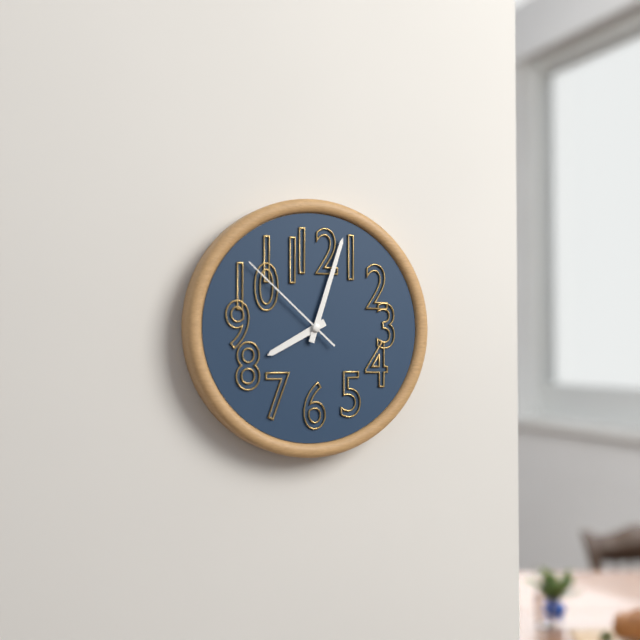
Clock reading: **8:03:52**
